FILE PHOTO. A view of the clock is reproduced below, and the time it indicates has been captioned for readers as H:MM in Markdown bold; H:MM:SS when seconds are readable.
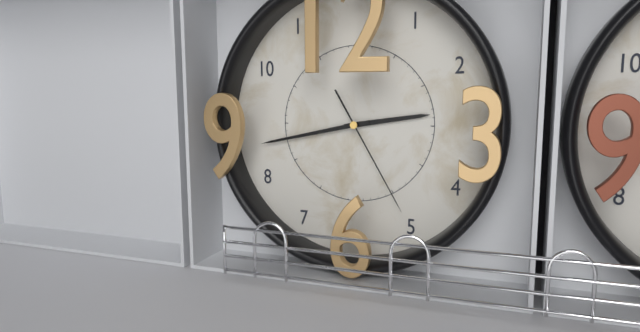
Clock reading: **2:43:25**
